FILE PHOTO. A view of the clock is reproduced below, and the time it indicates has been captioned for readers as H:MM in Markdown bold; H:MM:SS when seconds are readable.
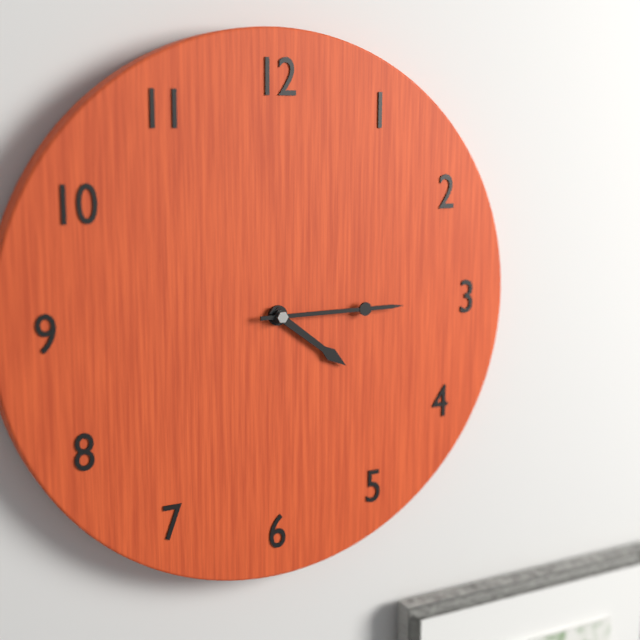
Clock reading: **4:15**
